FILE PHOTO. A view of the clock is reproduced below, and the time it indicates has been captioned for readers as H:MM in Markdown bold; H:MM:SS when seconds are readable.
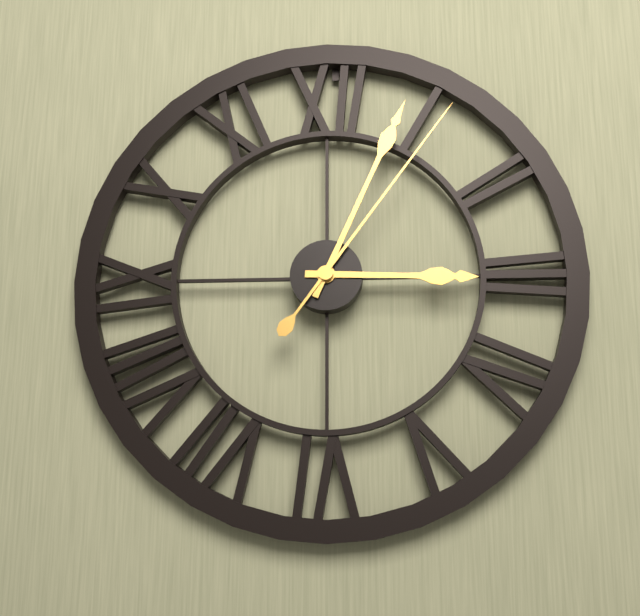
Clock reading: **3:04:06**
